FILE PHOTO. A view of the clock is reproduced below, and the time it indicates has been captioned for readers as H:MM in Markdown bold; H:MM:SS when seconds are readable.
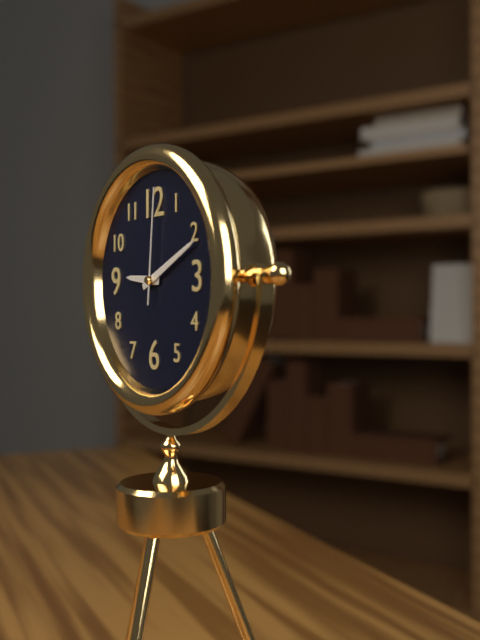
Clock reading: **9:11:01**
